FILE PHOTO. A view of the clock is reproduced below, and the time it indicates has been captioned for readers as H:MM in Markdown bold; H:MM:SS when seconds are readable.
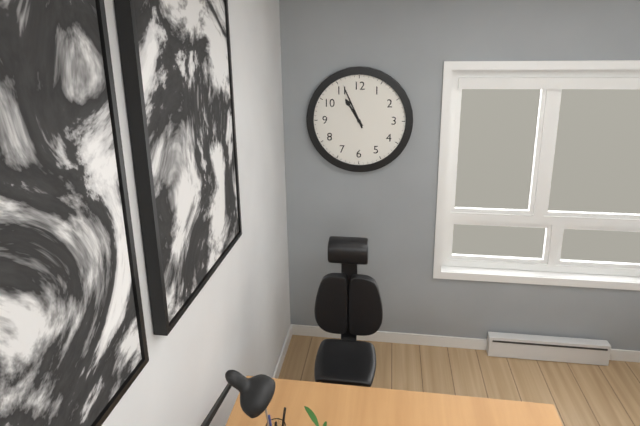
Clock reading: **10:56**
